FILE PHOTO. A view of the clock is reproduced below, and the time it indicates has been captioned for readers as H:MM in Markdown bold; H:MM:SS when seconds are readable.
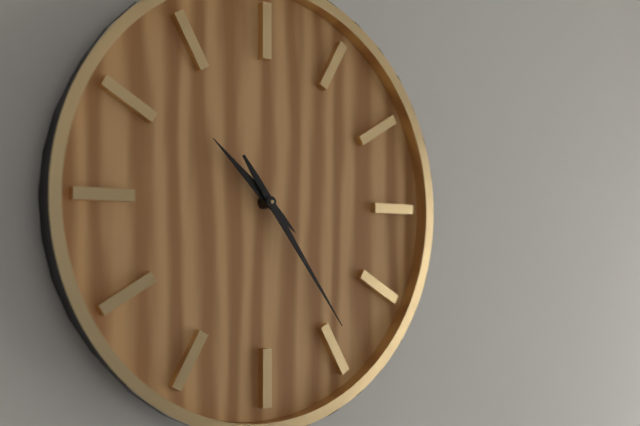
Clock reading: **10:24**
